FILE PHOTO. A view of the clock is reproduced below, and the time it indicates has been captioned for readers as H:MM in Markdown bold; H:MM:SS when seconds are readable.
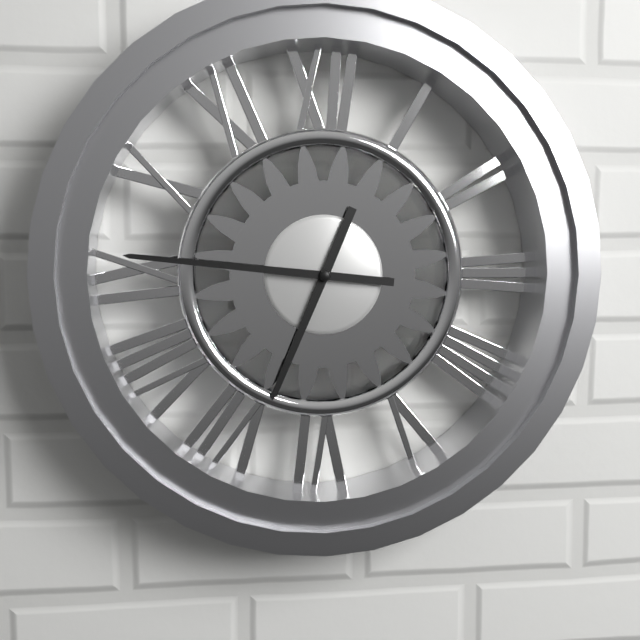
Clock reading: **6:46**
